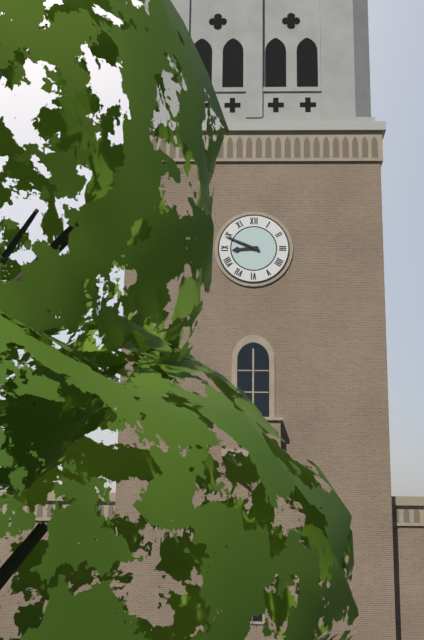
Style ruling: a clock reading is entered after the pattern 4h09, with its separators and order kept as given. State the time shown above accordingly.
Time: 8h49
